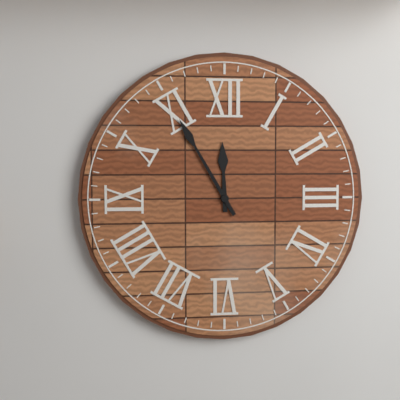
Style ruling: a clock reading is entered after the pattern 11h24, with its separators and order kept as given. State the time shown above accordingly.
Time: 11h55
